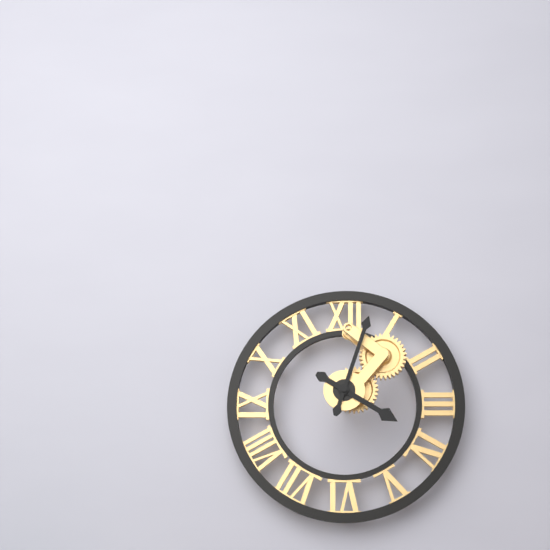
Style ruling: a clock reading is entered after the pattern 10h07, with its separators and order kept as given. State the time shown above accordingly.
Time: 4h03
